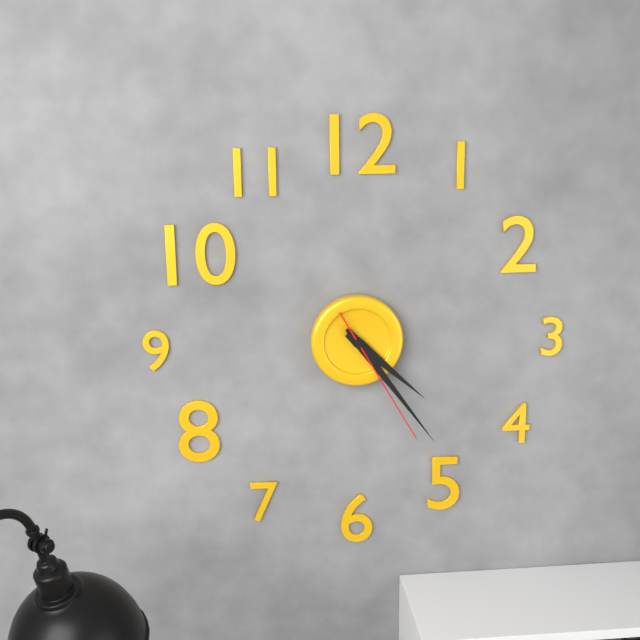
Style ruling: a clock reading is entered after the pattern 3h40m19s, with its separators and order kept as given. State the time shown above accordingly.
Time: 4h24m25s
